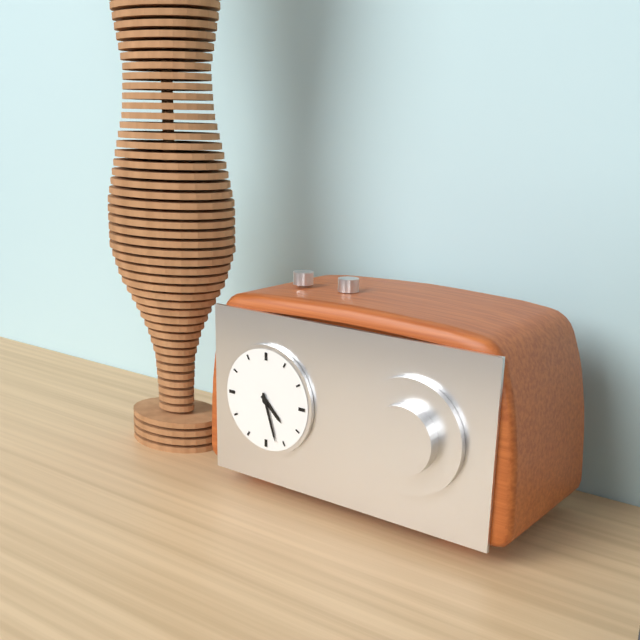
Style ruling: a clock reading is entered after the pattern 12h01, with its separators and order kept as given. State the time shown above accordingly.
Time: 4h27
